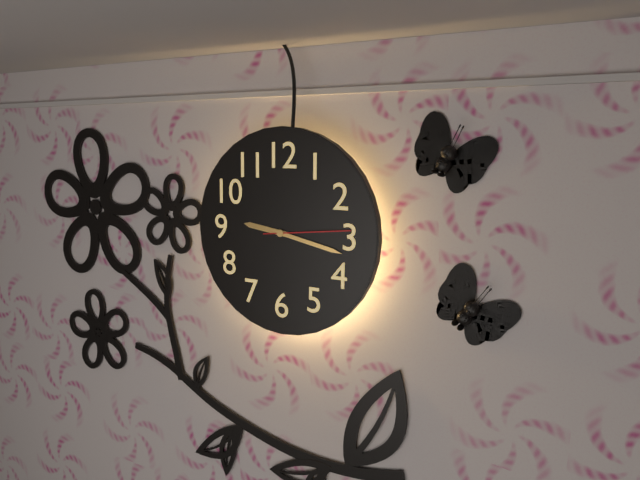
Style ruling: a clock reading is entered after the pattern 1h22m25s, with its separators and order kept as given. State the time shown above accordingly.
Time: 9h17m14s
